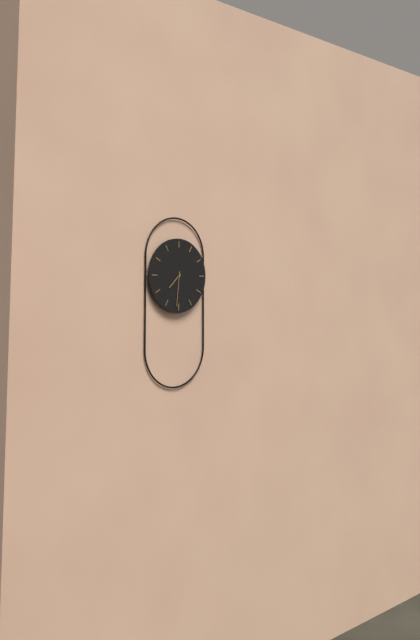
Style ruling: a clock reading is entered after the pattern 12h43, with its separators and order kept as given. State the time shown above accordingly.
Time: 7h31
